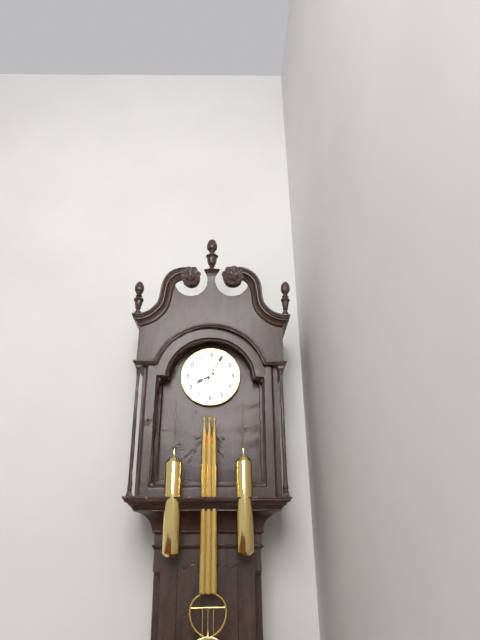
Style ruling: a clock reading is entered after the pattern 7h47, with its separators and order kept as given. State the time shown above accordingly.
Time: 8h05
